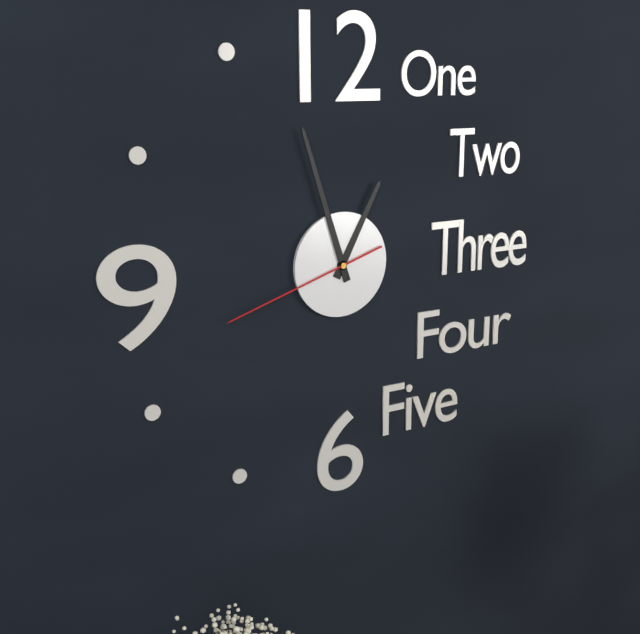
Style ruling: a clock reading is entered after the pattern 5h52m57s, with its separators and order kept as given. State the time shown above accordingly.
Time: 12h57m42s
